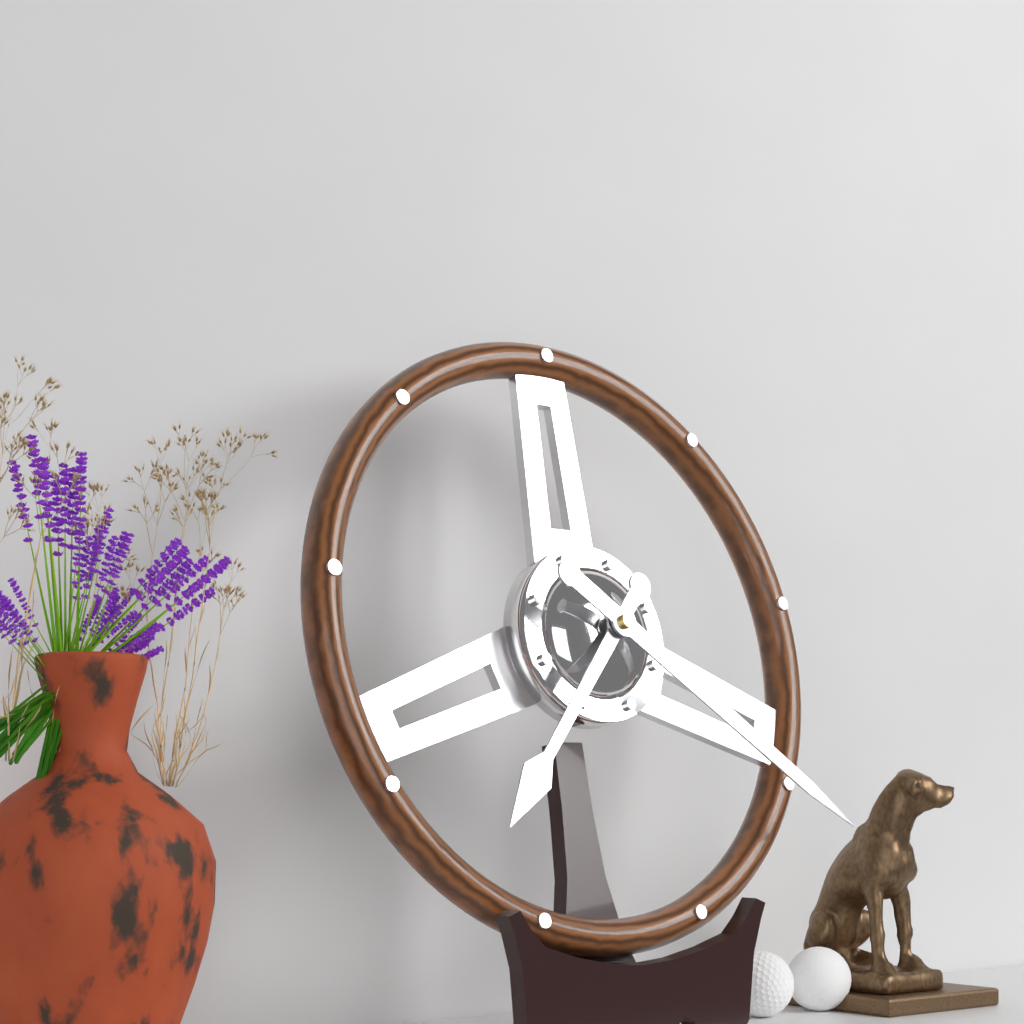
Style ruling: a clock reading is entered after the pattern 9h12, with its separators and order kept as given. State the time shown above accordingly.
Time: 7h21
